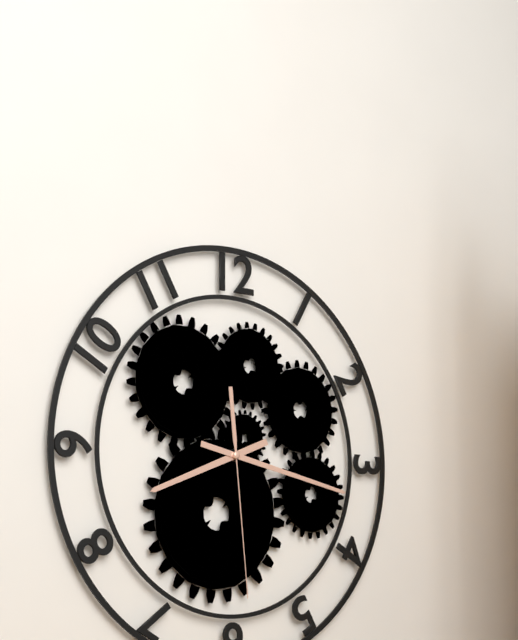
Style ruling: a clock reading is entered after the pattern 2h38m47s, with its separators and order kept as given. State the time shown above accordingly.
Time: 8h17m29s
